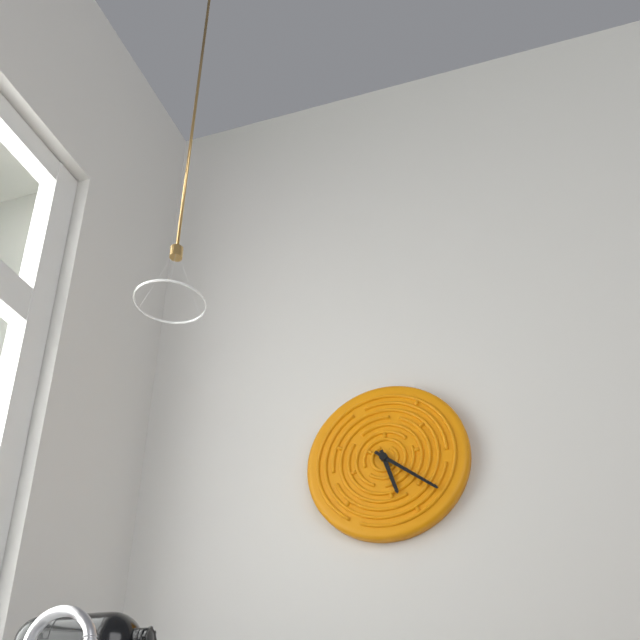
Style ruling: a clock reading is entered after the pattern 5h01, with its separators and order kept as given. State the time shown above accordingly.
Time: 5h21
